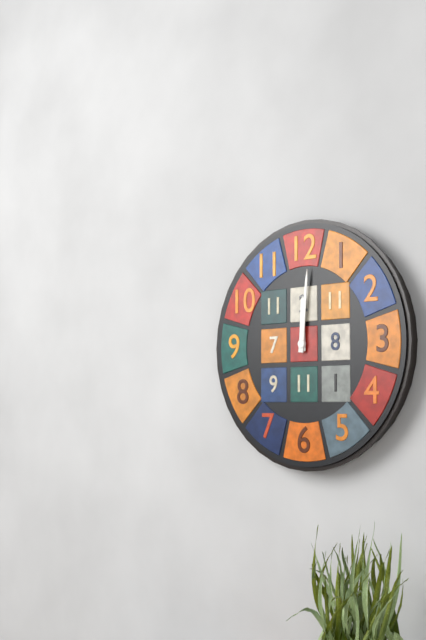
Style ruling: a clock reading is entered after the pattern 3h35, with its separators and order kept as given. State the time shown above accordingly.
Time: 12h01
